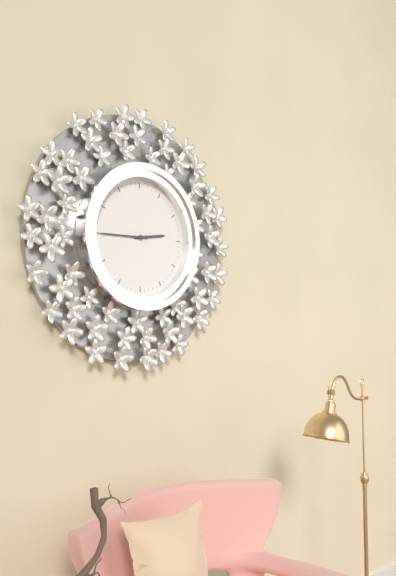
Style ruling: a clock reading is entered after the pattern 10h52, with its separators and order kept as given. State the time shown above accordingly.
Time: 2h45
